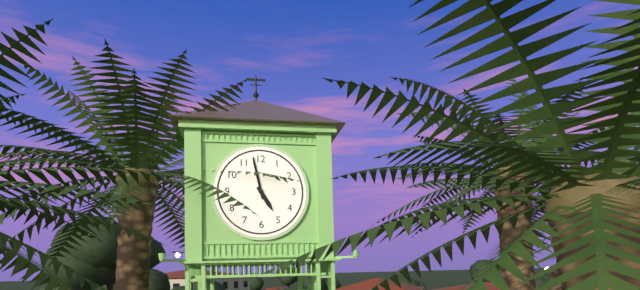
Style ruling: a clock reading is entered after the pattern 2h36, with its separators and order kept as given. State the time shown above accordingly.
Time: 4h58
